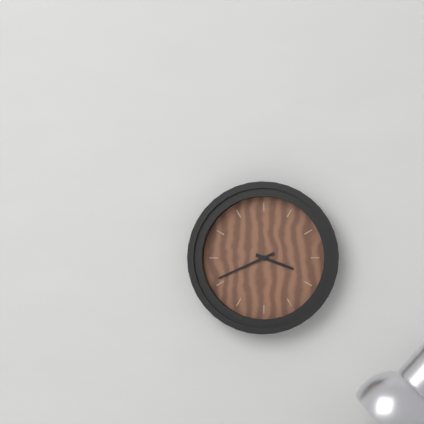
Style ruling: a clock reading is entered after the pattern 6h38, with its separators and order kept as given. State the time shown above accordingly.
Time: 3h41
